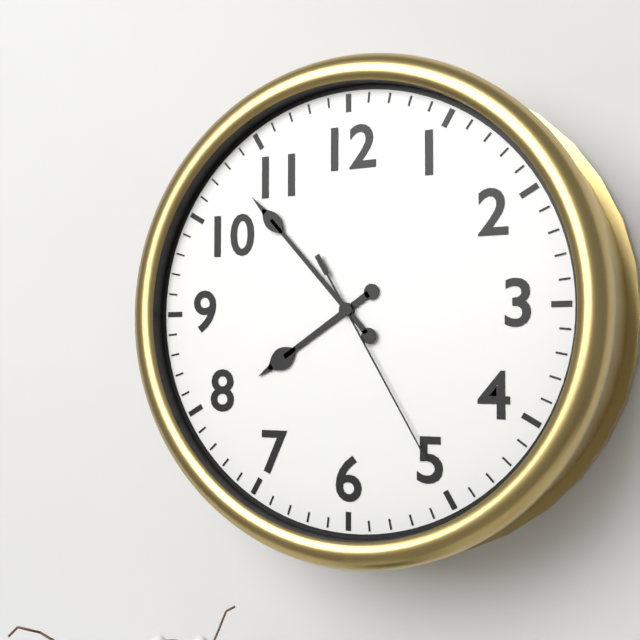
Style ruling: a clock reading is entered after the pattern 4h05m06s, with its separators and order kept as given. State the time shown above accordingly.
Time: 7h53m25s
